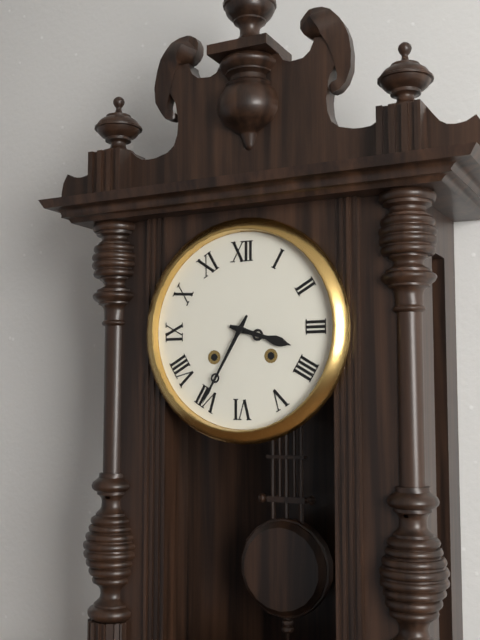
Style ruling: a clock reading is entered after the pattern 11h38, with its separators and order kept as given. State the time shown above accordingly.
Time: 3h35
